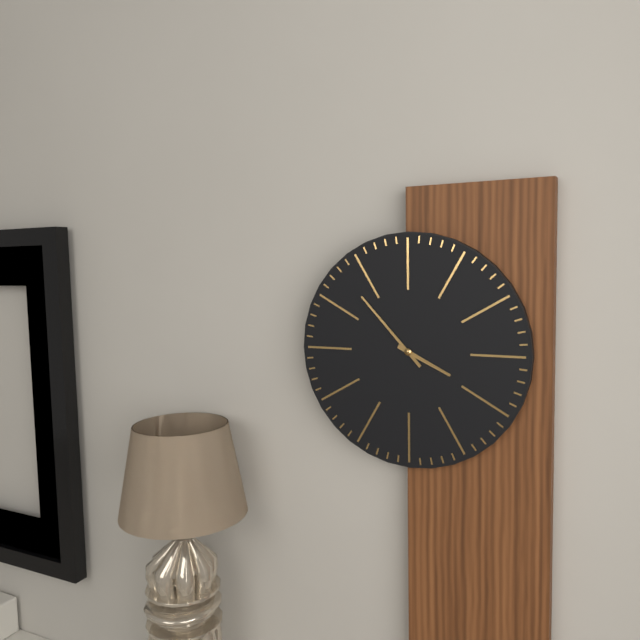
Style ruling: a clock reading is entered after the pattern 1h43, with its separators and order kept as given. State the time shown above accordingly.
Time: 3h53
